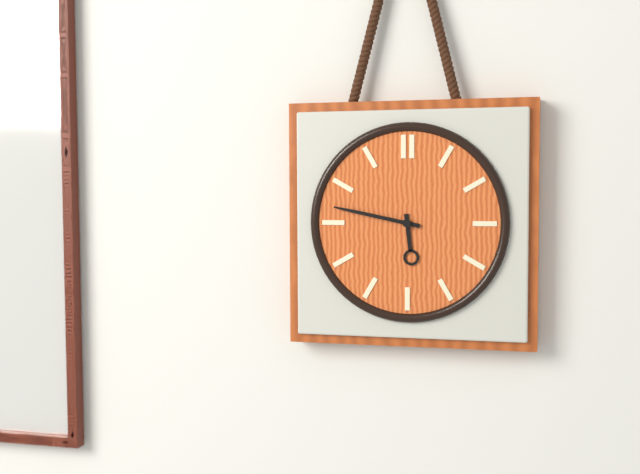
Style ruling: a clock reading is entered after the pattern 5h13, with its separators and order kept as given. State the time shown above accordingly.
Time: 5h47
